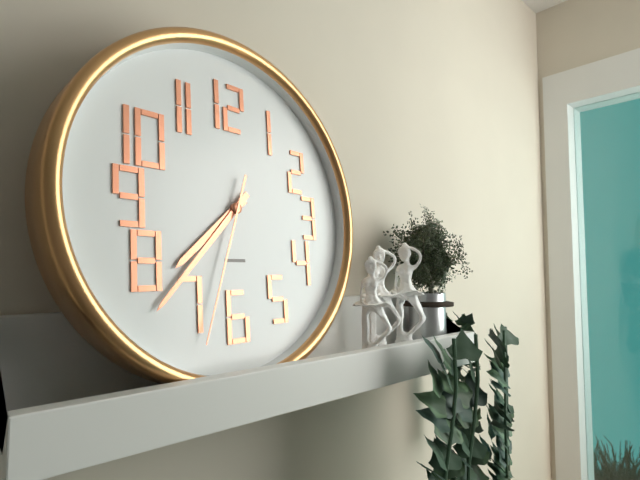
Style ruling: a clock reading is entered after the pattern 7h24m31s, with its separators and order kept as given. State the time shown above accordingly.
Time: 7h37m33s
